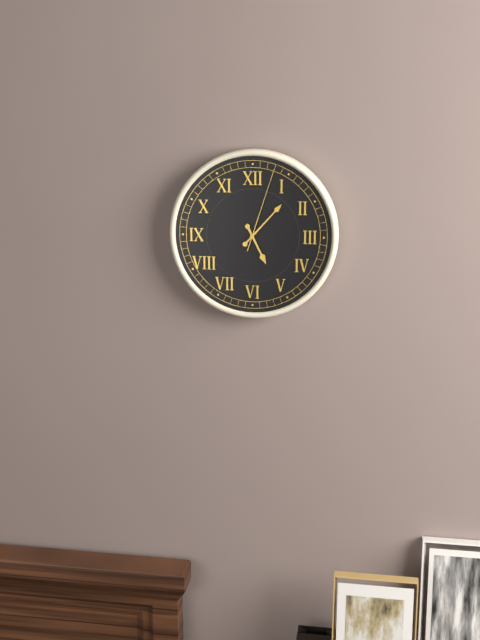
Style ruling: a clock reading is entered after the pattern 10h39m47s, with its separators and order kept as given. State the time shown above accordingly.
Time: 5h07m03s
